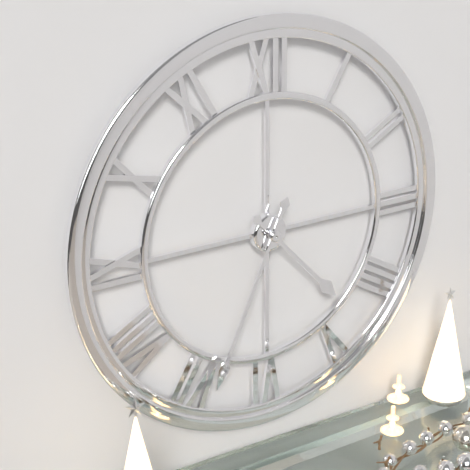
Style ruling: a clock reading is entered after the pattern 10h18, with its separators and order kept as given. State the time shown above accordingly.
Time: 4h34
